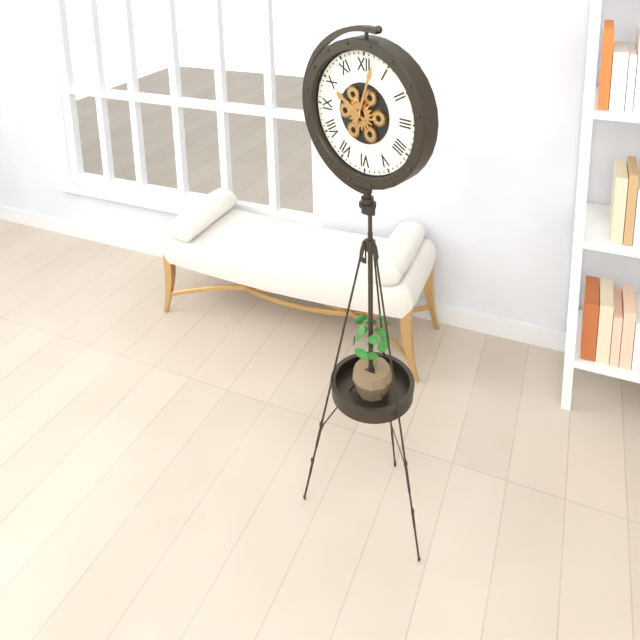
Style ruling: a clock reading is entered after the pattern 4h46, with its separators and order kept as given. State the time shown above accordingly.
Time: 10h03
